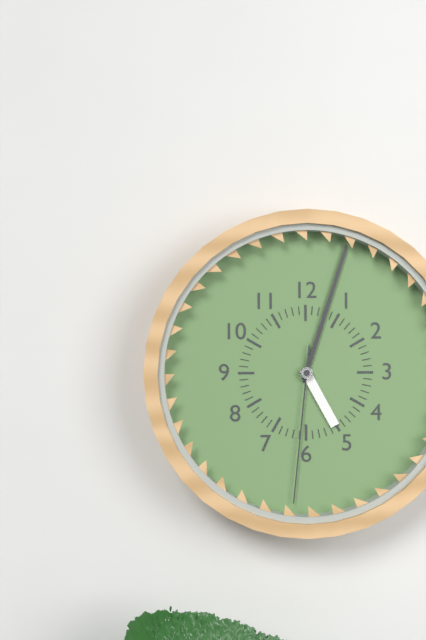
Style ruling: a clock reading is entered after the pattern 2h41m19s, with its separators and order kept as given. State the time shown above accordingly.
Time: 5h03m31s
